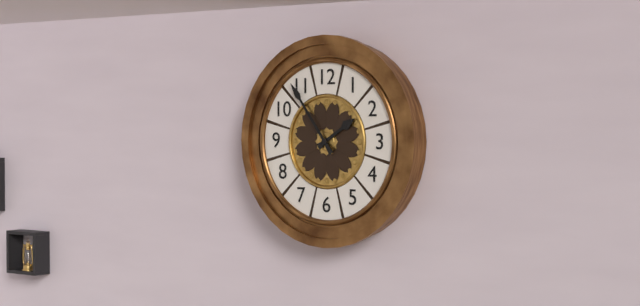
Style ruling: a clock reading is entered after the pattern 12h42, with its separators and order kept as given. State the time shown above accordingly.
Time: 1h54
